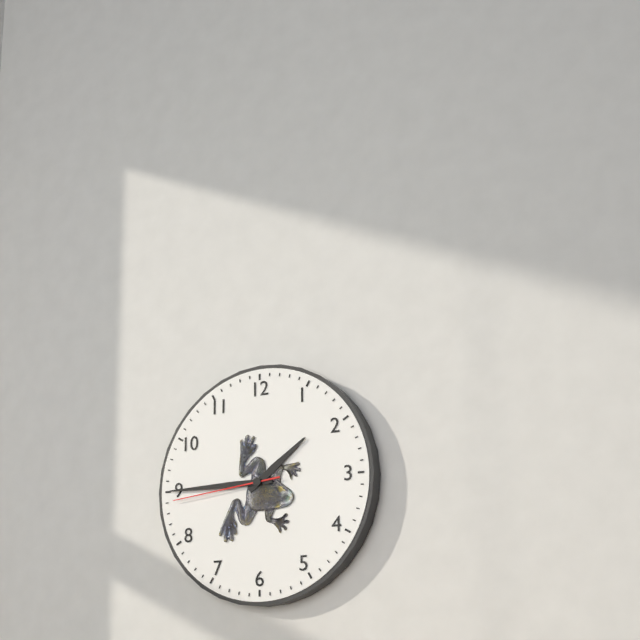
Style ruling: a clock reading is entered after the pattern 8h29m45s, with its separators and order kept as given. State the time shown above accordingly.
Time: 1h45m44s
